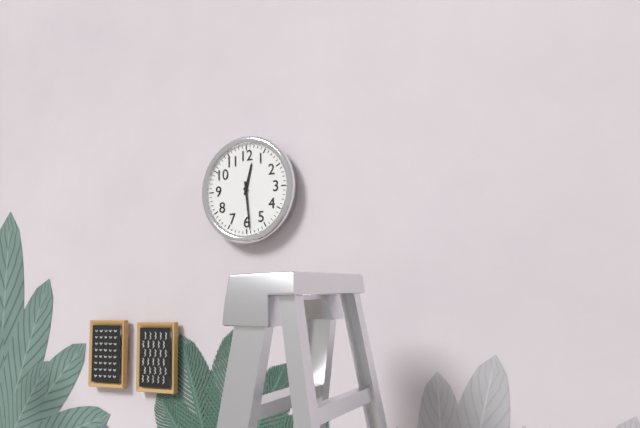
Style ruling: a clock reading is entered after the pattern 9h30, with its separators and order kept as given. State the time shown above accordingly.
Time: 12h29
